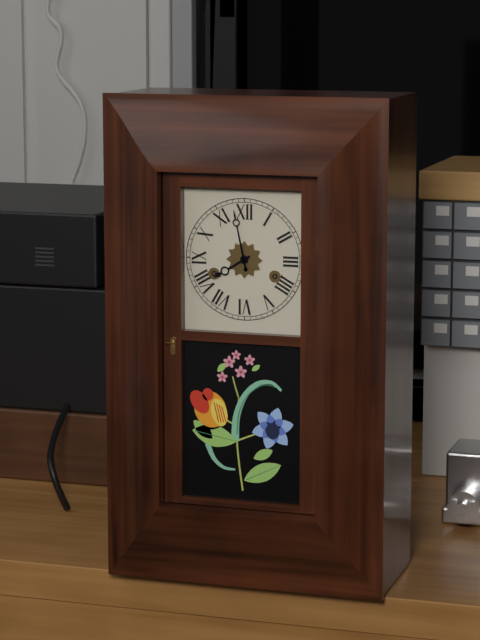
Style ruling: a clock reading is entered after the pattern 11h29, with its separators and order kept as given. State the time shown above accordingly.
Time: 7h58
